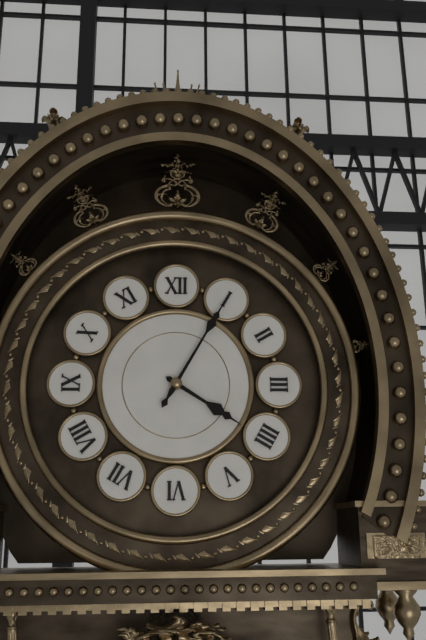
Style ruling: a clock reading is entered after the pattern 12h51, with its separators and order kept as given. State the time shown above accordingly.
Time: 4h05
